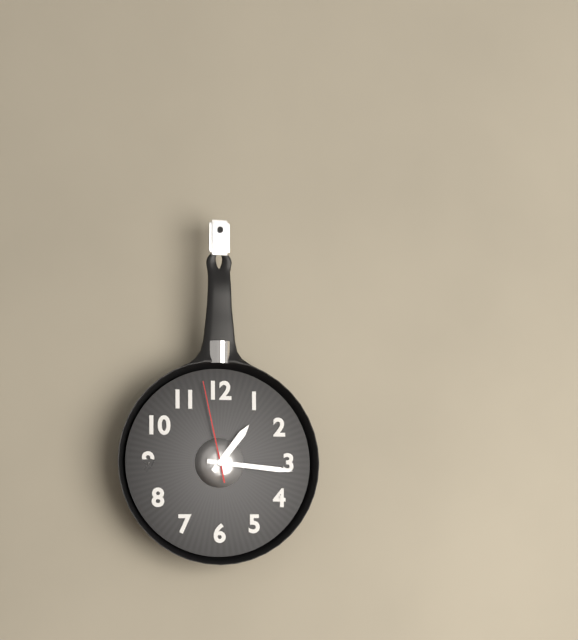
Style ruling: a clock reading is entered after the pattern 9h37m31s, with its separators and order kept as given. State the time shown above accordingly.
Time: 1h16m58s
